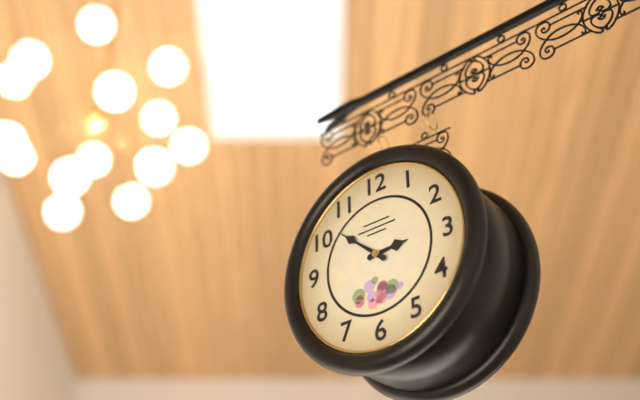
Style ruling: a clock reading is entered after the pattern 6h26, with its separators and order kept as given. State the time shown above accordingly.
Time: 2h52
